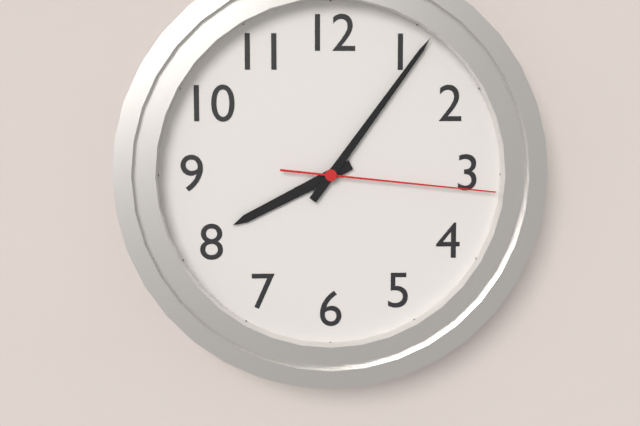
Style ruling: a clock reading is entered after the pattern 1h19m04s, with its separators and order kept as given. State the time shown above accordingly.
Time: 8h06m16s
